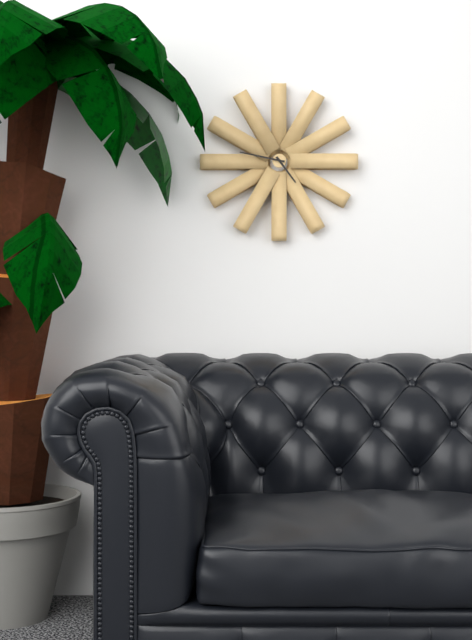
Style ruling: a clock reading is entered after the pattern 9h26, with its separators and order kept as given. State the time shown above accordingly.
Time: 4h47
